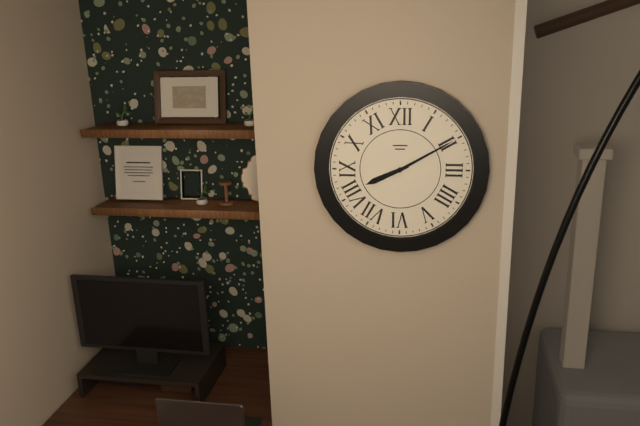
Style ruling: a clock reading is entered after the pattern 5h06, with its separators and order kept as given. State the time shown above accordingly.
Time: 8h10
